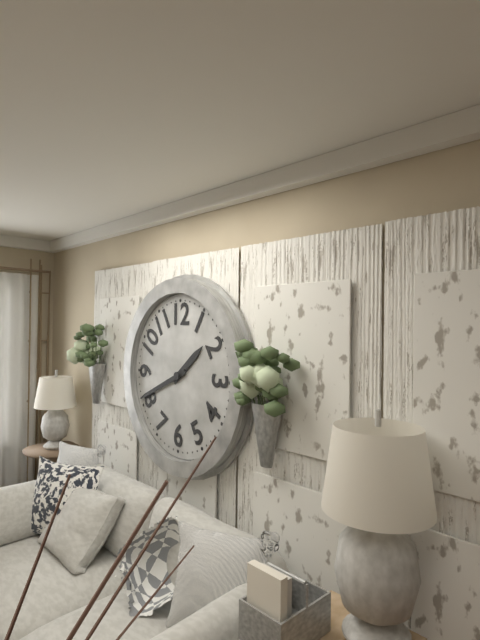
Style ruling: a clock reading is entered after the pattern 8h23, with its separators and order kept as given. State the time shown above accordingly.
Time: 1h41
